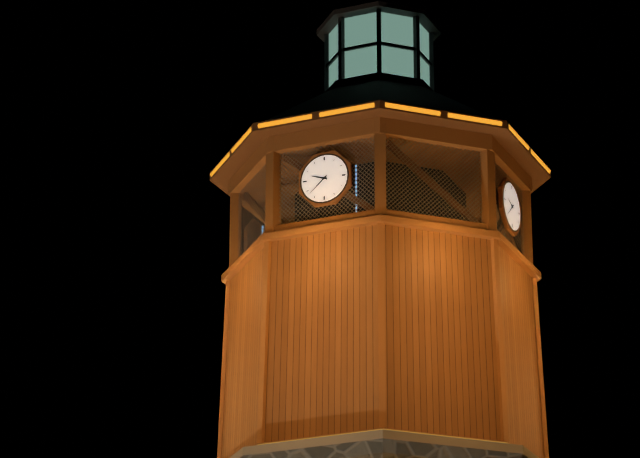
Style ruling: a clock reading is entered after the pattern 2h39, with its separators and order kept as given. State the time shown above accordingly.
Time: 9h38
